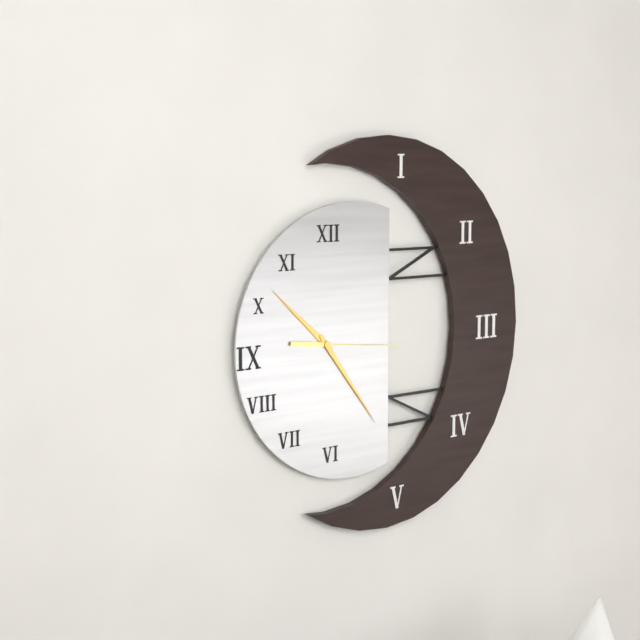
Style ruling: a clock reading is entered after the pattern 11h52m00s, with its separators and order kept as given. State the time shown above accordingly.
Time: 10h24m16s
